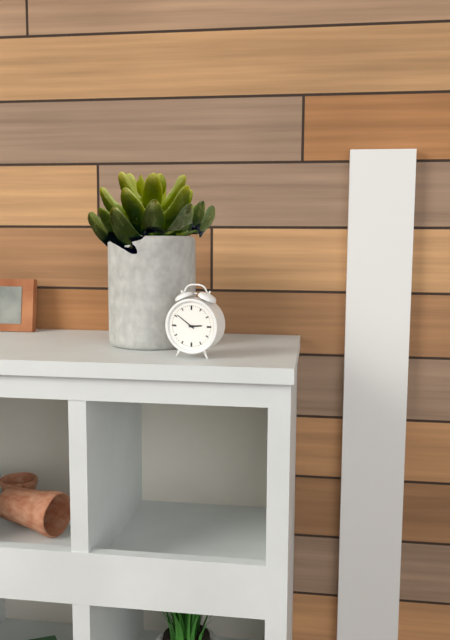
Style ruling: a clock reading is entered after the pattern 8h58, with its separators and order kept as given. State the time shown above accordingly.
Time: 2h51
